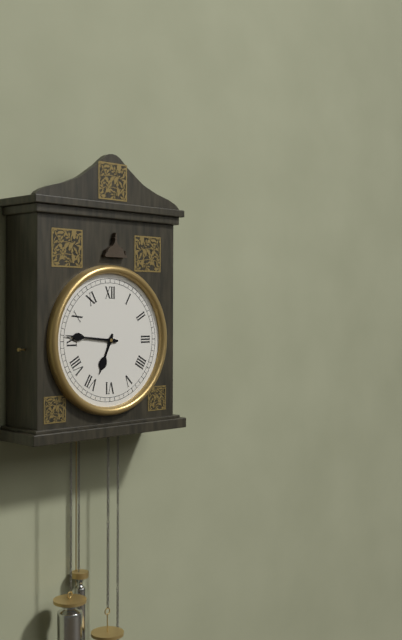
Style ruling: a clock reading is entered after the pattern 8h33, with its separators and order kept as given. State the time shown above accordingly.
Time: 6h46
